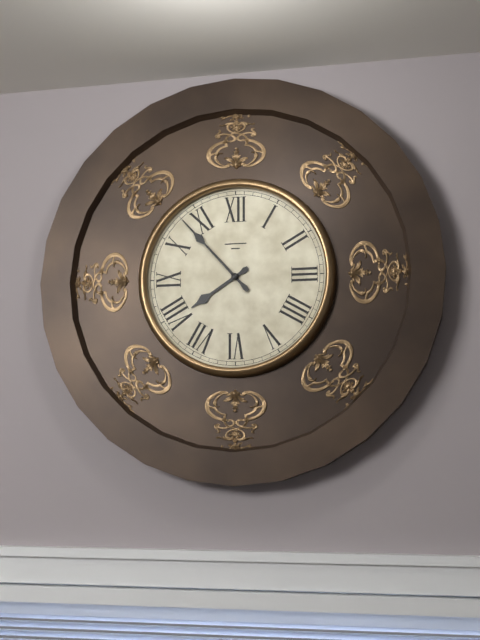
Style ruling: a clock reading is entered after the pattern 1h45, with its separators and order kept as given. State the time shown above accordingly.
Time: 7h53
